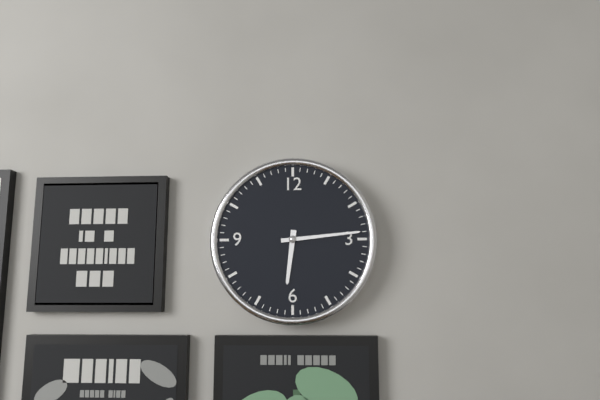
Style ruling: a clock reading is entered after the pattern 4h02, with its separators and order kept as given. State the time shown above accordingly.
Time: 6h14
